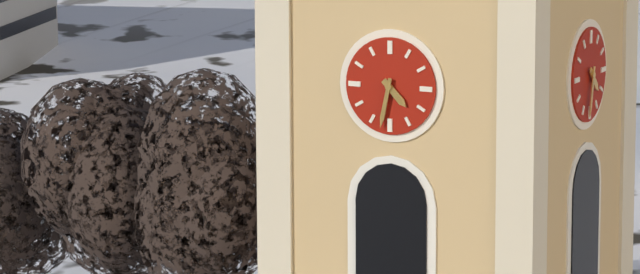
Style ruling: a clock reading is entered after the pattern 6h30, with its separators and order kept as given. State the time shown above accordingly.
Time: 4h32
